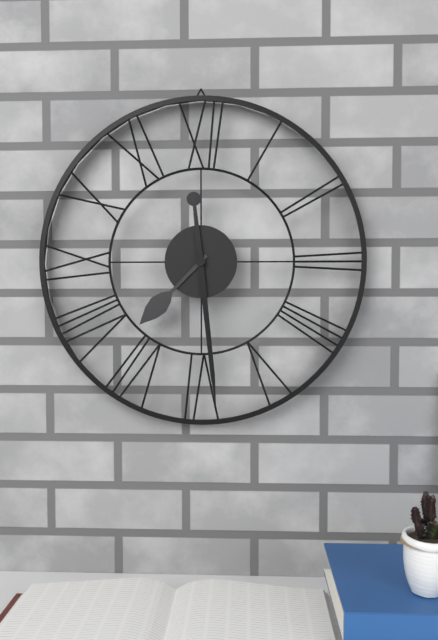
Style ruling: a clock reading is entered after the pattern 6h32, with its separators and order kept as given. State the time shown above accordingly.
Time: 7h29
